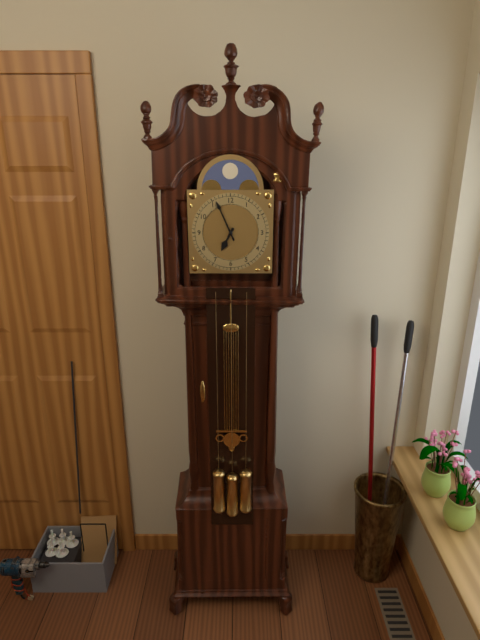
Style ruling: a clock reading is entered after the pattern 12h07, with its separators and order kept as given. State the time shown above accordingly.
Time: 6h56
